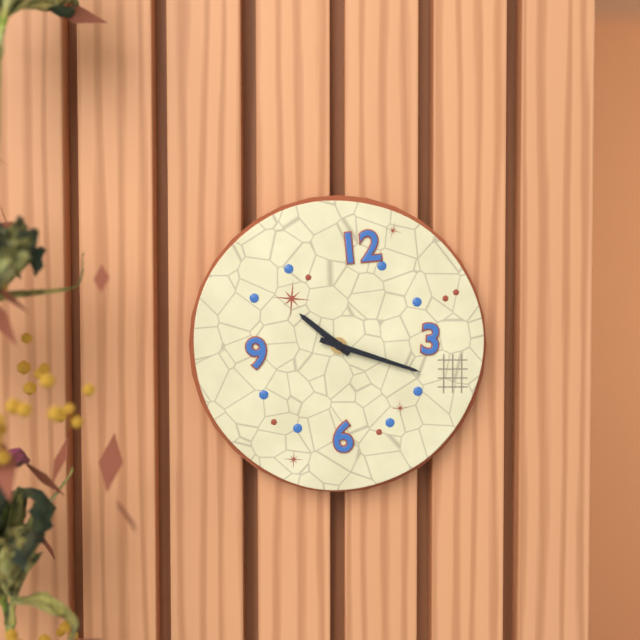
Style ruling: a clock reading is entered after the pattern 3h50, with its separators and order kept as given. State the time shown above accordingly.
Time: 10h18
